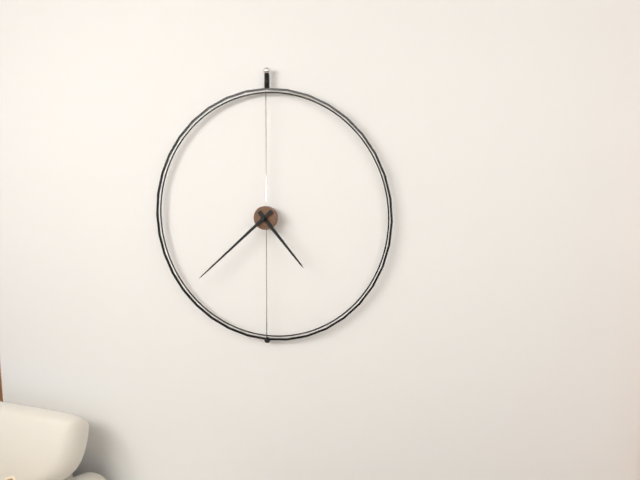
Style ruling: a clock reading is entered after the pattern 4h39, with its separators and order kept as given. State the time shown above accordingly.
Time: 4h38
